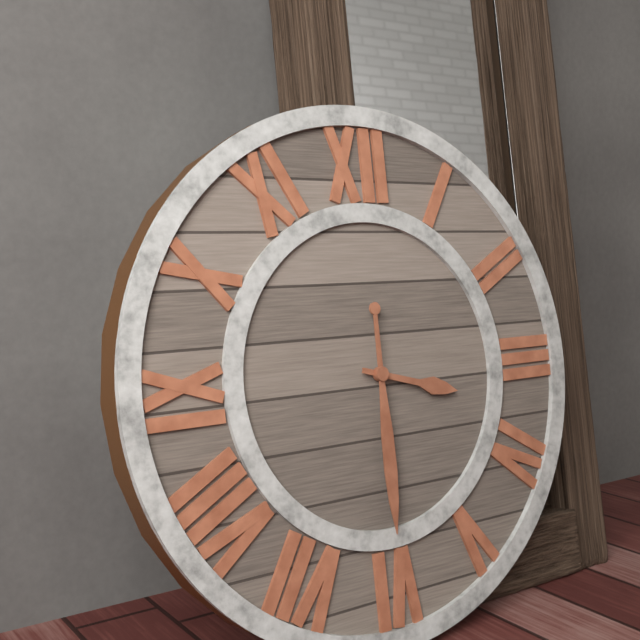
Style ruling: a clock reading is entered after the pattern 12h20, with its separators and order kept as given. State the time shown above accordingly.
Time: 3h30
